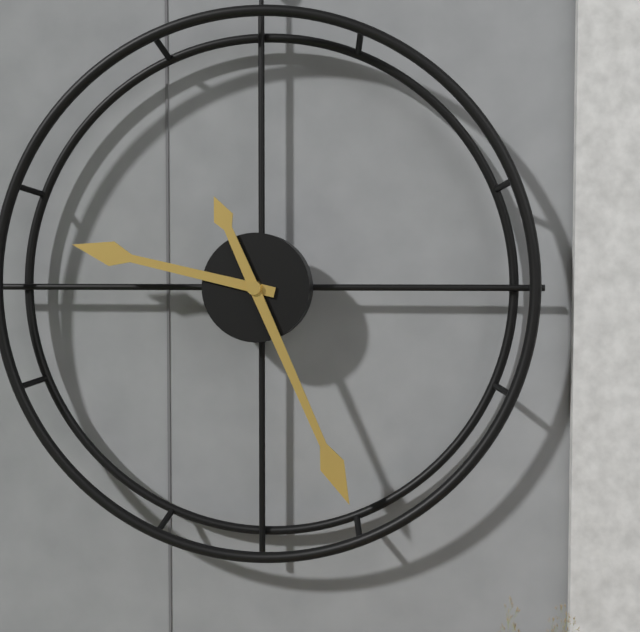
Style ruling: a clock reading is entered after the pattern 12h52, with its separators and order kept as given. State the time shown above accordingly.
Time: 9h26
